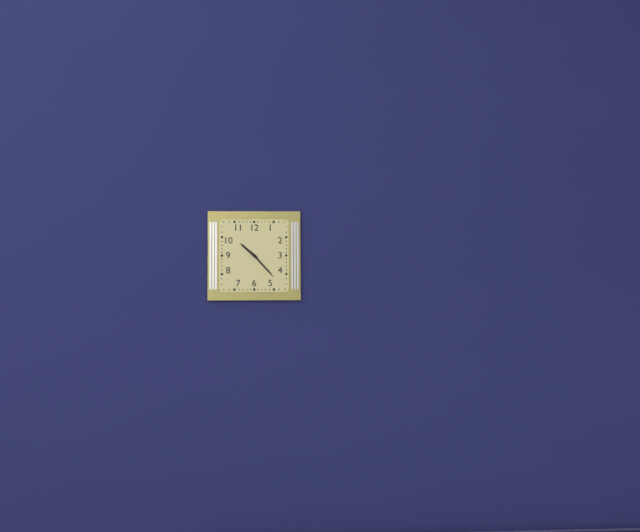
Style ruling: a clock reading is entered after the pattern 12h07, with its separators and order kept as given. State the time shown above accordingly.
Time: 10h23
